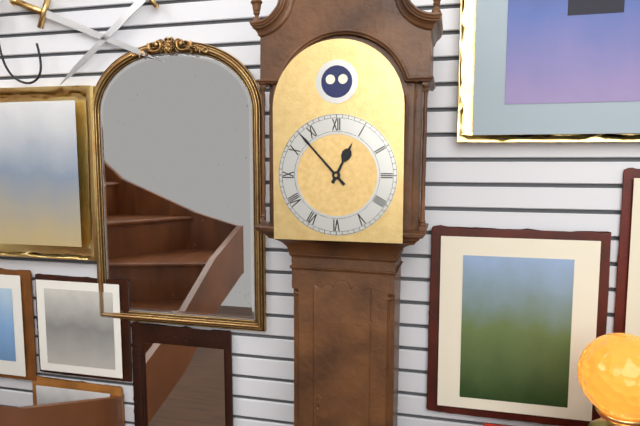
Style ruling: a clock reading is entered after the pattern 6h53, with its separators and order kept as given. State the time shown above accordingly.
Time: 12h53
